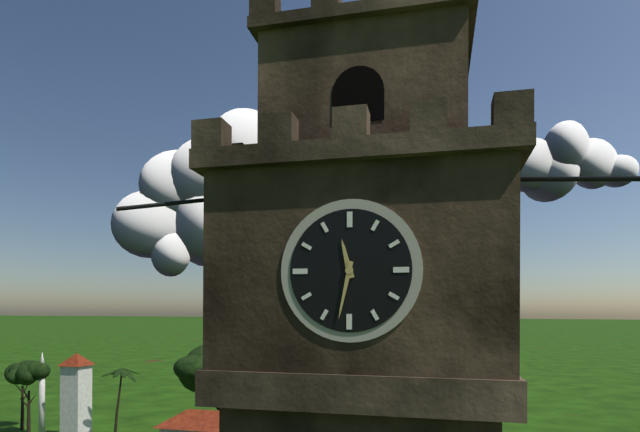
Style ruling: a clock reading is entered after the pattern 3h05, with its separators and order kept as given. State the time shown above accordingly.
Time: 11h32
